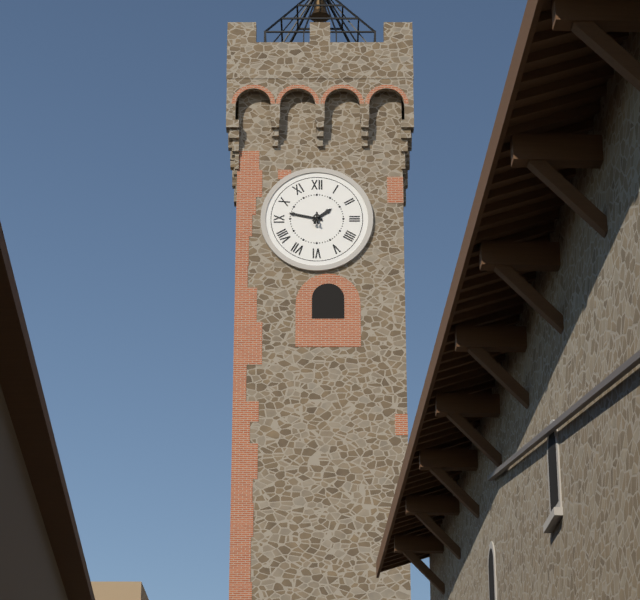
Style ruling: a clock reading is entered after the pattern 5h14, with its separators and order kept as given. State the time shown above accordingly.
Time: 1h47
